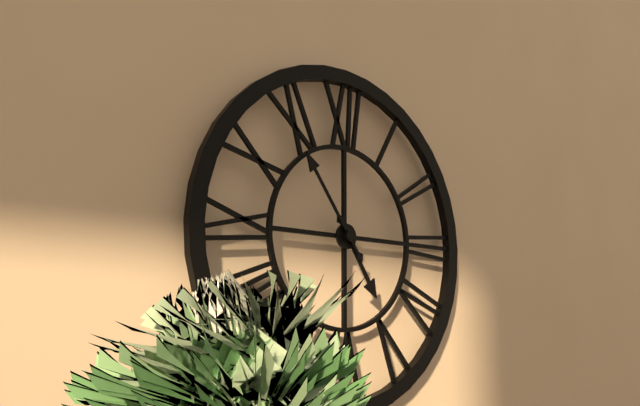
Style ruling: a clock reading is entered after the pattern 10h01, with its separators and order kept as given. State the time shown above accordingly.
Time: 4h54
